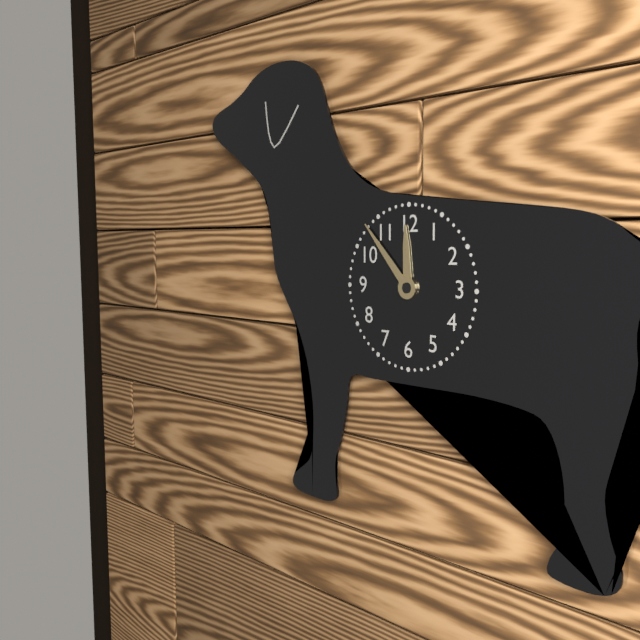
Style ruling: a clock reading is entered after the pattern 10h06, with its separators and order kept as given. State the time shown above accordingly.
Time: 11h53
